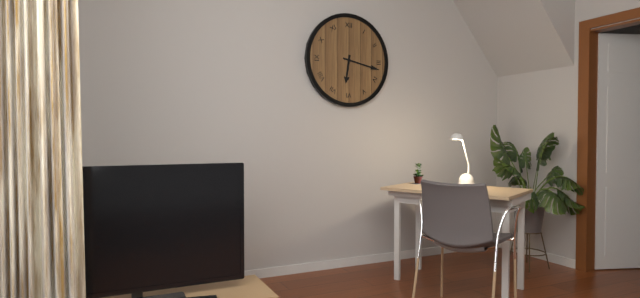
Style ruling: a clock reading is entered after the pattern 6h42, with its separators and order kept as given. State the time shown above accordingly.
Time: 6h17
